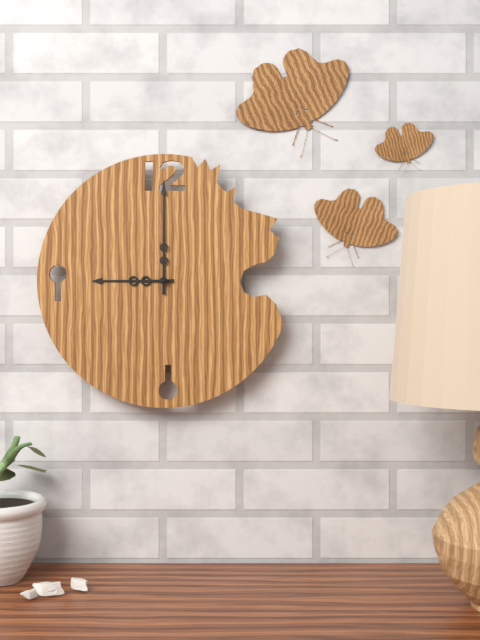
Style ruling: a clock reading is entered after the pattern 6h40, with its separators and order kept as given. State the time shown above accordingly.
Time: 9h00
